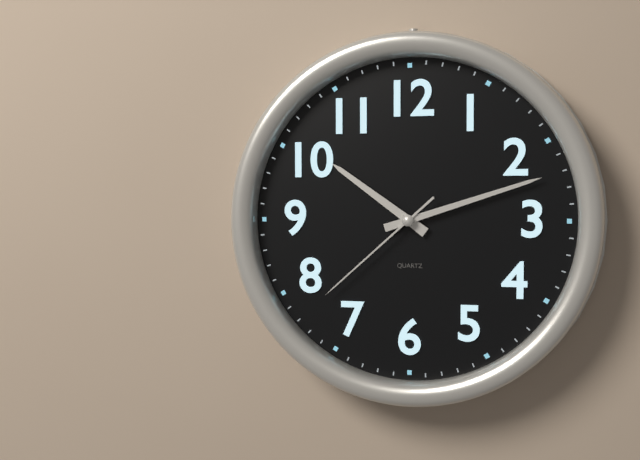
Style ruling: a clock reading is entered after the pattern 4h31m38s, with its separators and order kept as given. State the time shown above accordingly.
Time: 10h12m38s
